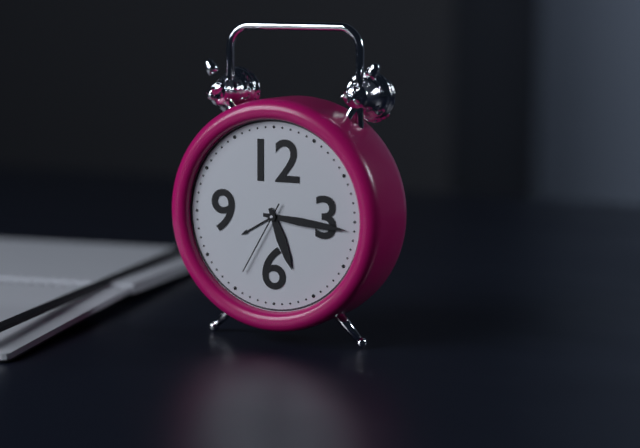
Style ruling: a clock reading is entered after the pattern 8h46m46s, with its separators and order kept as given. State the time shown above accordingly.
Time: 5h16m35s
